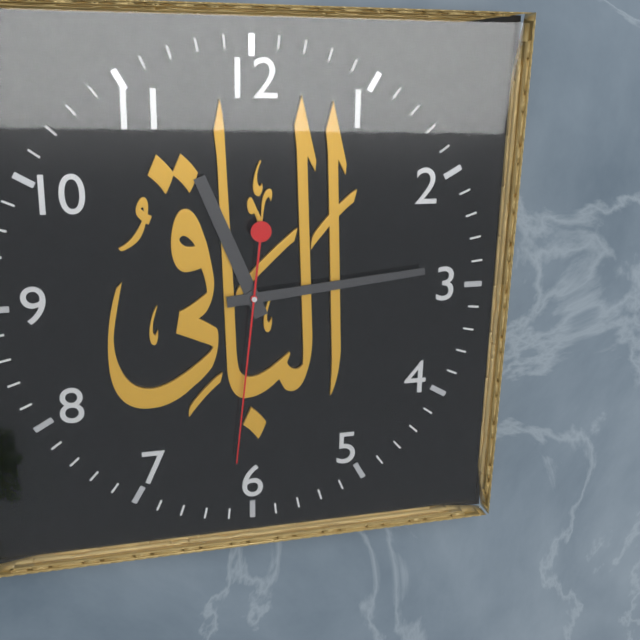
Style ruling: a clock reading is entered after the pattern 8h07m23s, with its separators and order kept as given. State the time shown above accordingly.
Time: 11h14m31s
